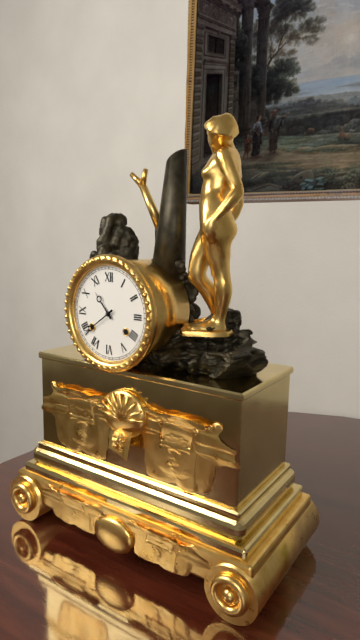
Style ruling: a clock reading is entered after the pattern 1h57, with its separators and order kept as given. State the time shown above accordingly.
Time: 10h39
